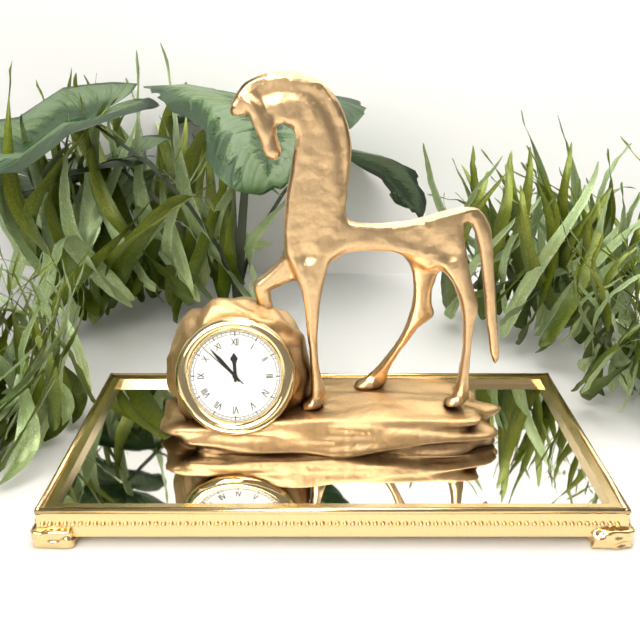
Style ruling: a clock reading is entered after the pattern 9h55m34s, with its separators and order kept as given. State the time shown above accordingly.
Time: 11h53m52s
